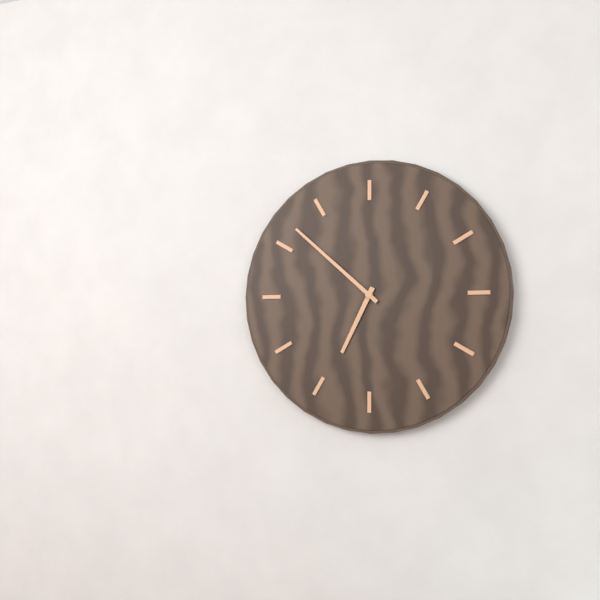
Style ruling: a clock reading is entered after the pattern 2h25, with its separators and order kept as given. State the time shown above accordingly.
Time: 6h52
